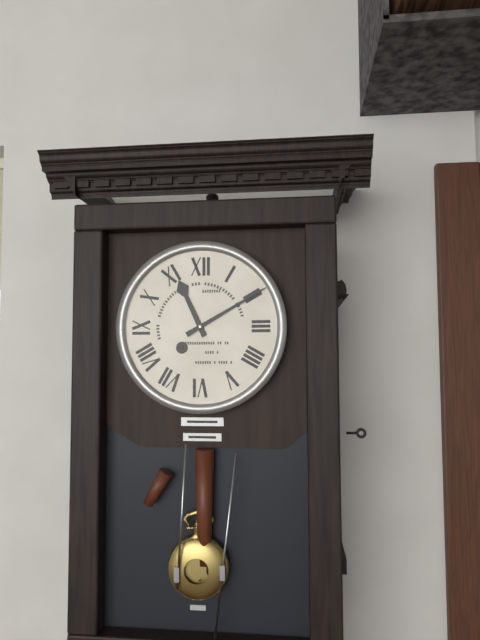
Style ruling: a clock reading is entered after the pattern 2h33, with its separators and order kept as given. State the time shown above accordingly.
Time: 11h10
